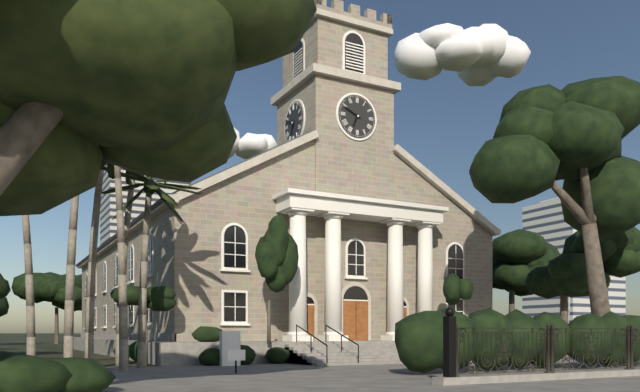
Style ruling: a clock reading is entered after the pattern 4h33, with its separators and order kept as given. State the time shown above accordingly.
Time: 6h49
